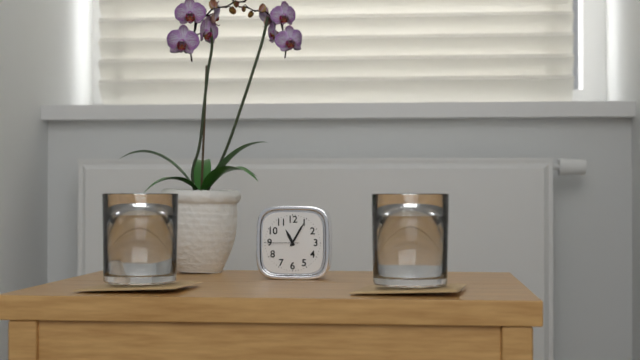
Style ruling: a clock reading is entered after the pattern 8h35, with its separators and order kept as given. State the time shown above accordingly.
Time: 11h05
